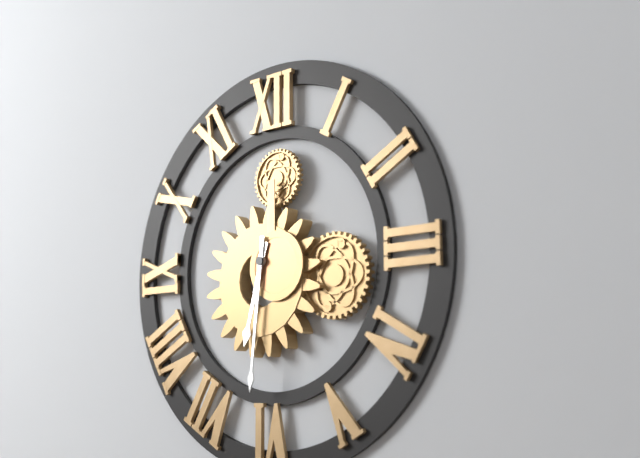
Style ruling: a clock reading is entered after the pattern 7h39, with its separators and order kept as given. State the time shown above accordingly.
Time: 6h31
